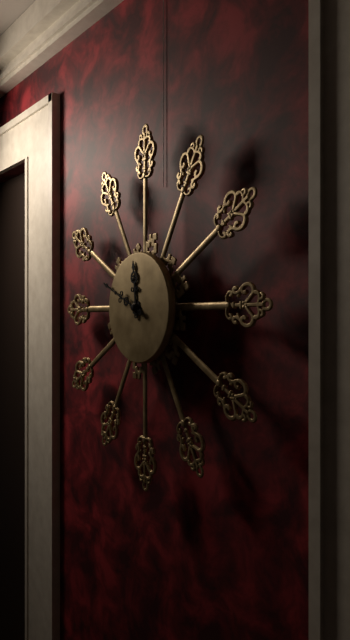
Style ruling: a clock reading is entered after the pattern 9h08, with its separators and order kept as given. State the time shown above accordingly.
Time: 11h49
